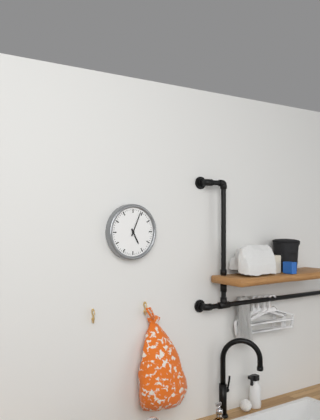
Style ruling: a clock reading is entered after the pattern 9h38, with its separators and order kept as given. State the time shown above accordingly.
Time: 5h04
